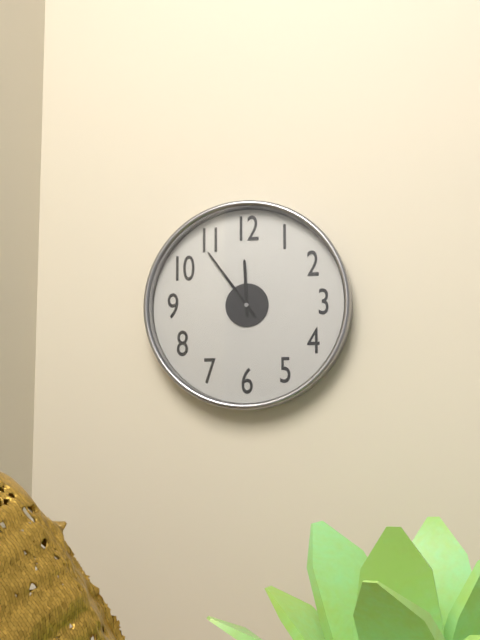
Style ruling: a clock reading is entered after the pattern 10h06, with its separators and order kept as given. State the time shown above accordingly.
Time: 11h54
